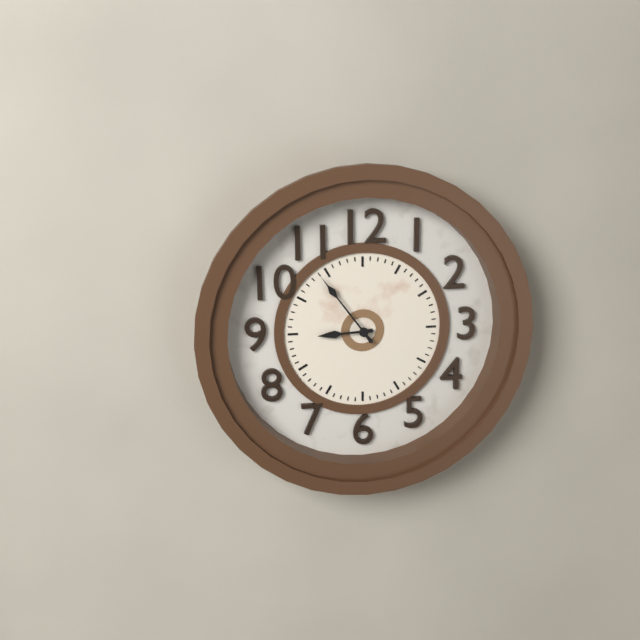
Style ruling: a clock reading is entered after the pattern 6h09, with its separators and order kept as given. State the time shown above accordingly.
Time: 8h54
